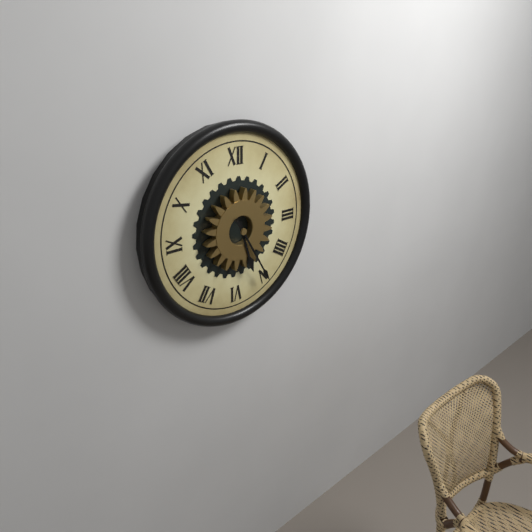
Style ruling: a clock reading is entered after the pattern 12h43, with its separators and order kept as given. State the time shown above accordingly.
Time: 5h25
